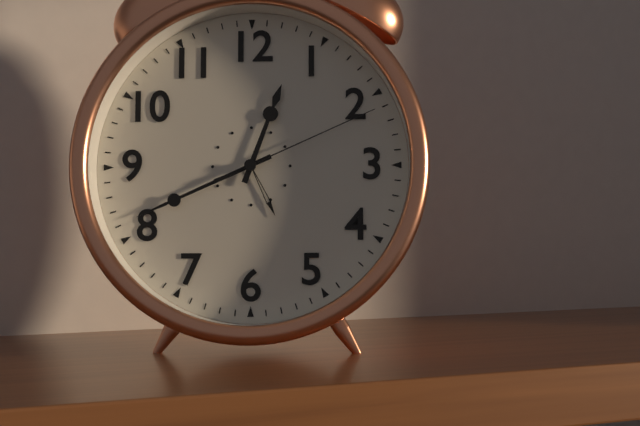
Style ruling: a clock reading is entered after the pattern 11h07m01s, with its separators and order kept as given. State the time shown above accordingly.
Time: 12h41m11s
